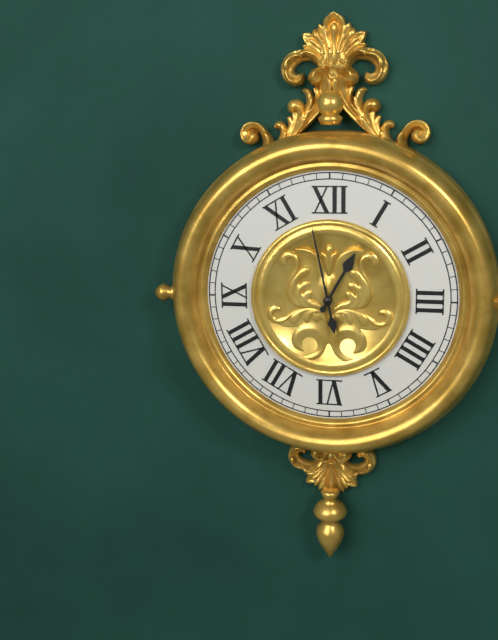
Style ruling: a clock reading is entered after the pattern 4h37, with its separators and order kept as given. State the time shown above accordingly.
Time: 12h58
